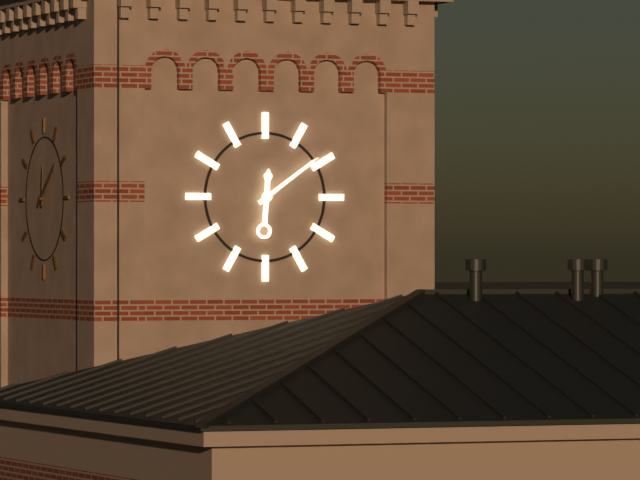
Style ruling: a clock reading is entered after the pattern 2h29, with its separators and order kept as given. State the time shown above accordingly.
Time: 12h09
